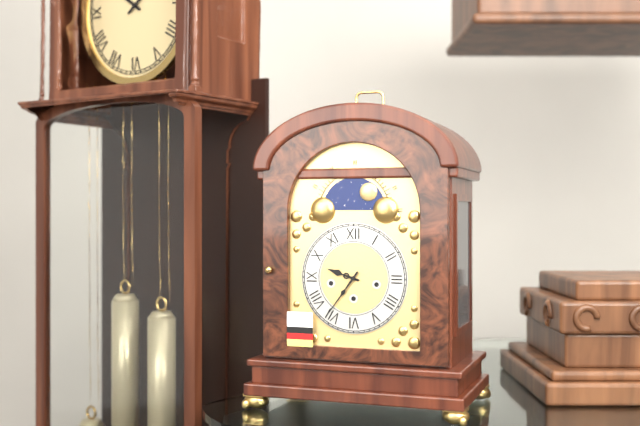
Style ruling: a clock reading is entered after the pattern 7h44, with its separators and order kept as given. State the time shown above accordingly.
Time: 9h36
